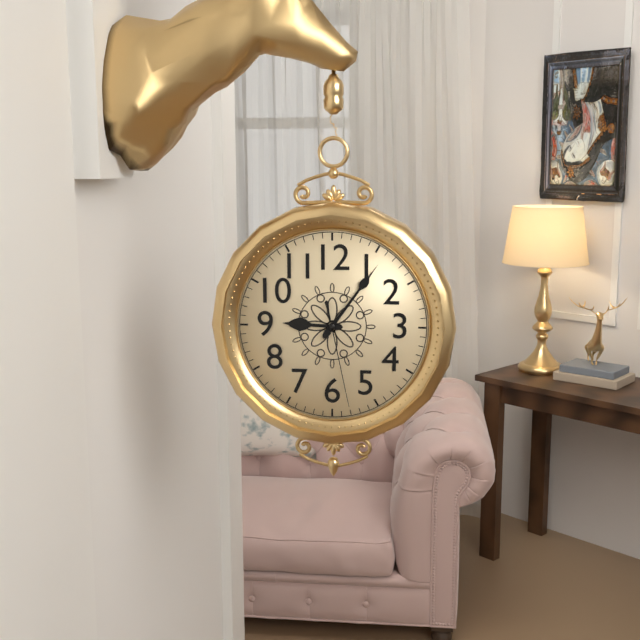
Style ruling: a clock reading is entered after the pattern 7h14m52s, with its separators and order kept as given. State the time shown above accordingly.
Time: 9h06m28s
